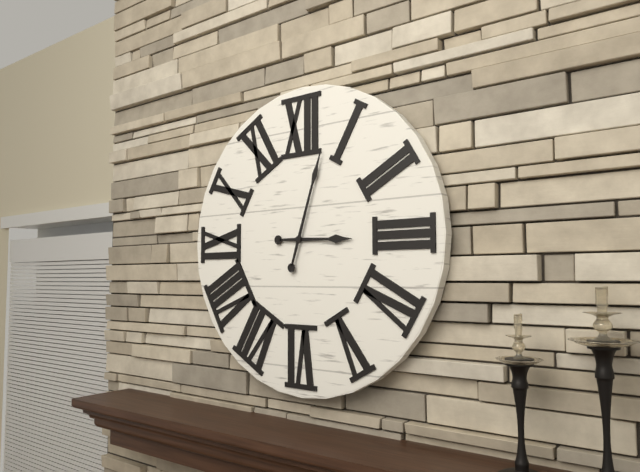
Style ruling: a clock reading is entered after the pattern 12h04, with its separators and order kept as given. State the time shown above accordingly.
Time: 3h03
